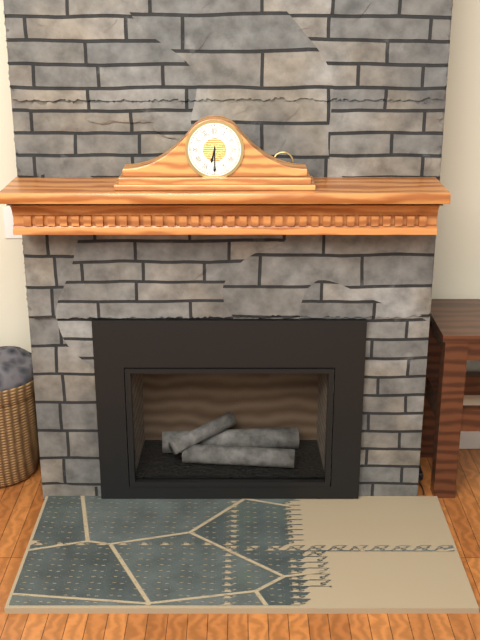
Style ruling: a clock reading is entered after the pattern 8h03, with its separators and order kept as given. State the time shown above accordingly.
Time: 6h30
